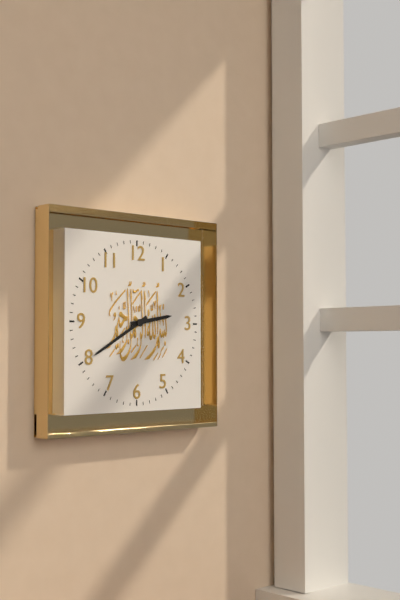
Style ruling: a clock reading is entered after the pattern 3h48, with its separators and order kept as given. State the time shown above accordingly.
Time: 2h40
